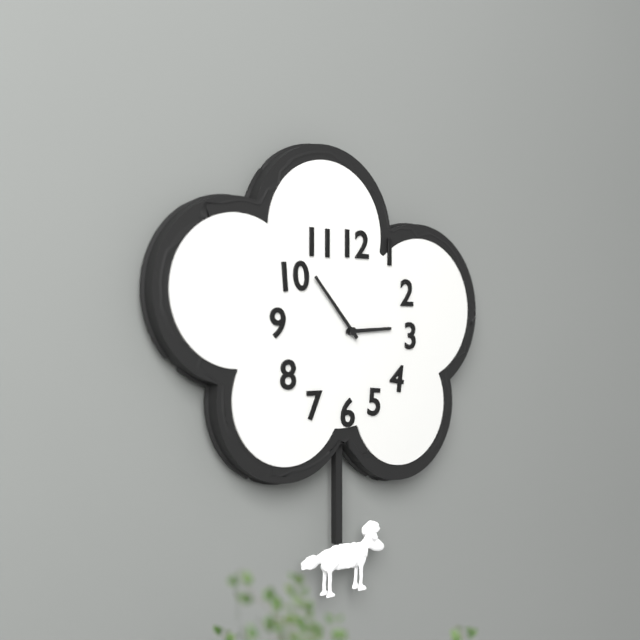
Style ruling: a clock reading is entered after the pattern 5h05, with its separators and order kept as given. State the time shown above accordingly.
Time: 2h53
